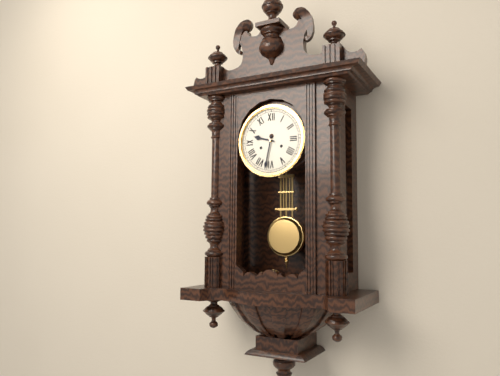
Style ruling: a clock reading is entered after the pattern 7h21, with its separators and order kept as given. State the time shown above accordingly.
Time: 9h32
